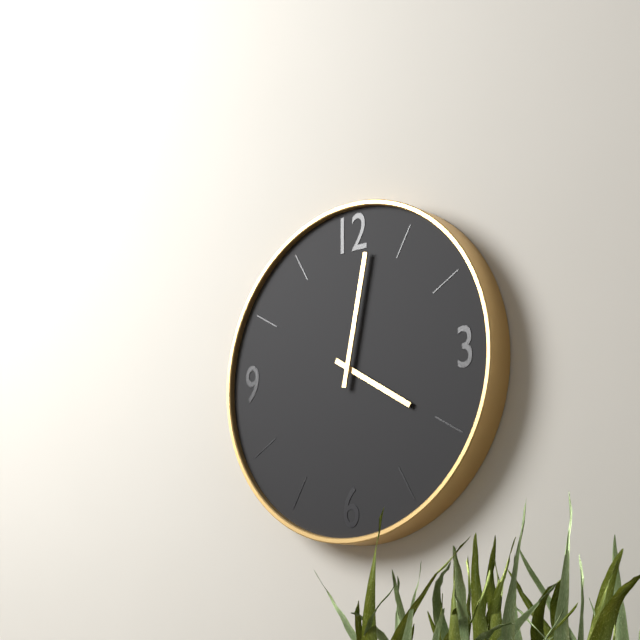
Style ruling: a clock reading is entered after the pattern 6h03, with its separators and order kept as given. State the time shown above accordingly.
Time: 4h02
